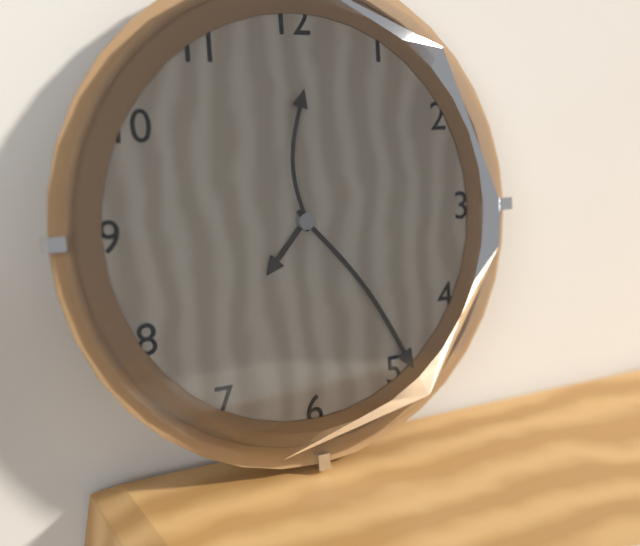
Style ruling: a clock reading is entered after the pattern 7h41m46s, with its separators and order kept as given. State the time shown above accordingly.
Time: 7h24m00s
